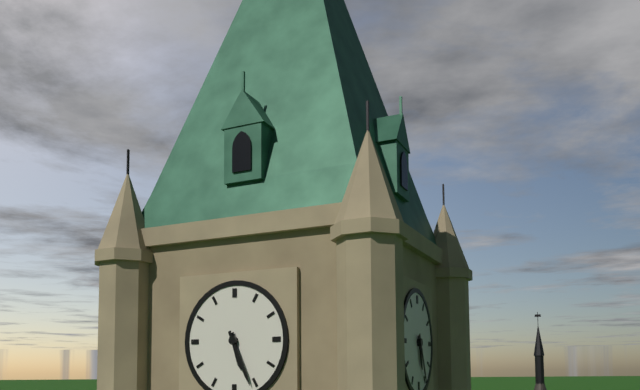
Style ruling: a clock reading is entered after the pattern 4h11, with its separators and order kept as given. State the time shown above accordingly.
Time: 5h26
